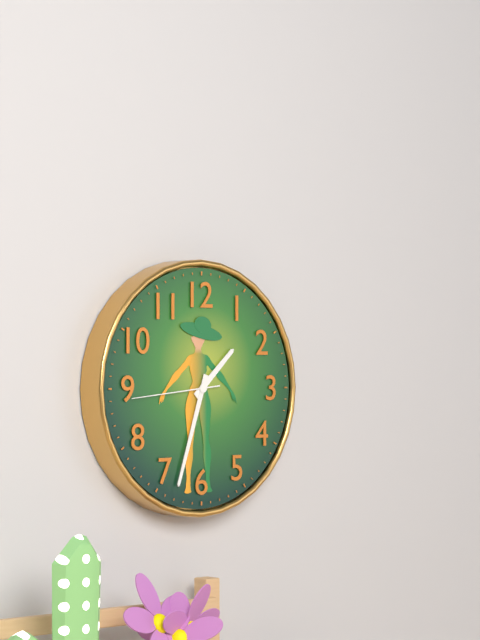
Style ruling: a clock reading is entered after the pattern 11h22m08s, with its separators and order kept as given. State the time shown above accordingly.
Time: 1h33m44s
